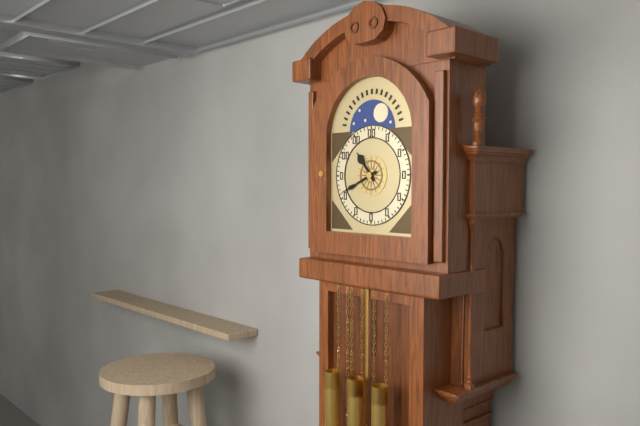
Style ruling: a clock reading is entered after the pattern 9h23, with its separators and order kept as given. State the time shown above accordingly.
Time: 10h41
